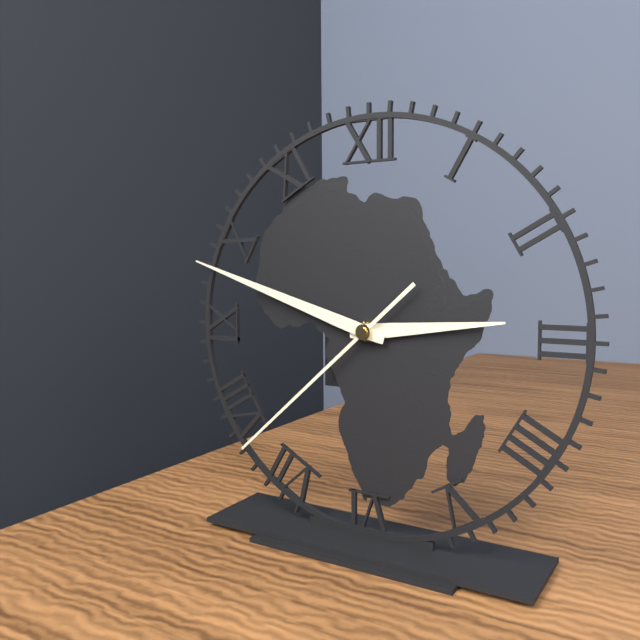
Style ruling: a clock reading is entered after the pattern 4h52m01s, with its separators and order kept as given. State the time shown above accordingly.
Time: 2h48m38s
